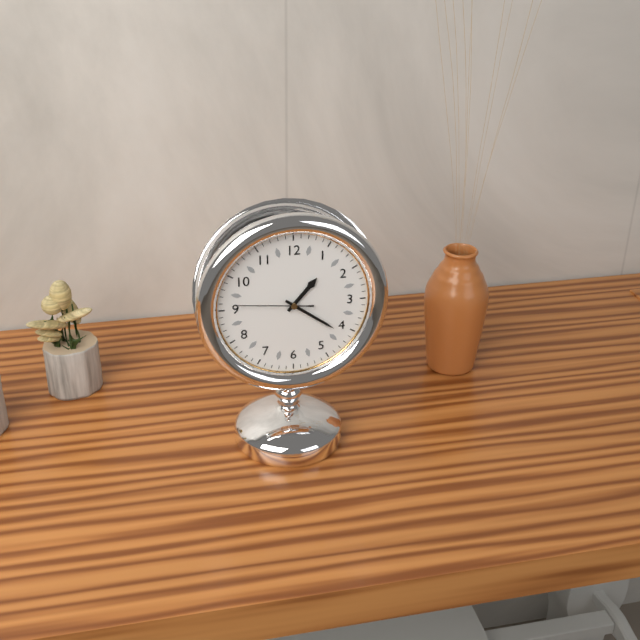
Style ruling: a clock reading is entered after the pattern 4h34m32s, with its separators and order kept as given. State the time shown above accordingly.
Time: 1h21m46s
